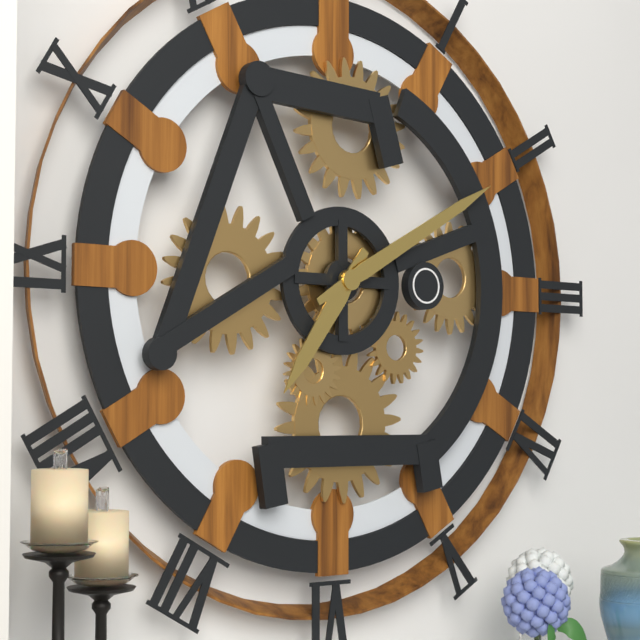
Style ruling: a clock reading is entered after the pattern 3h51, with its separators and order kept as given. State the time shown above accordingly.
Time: 7h10
